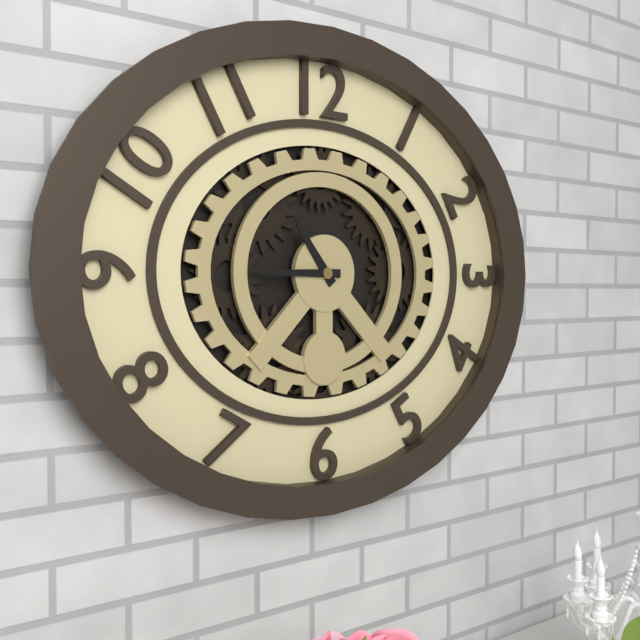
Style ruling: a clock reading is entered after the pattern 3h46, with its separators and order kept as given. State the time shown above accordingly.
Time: 10h45
